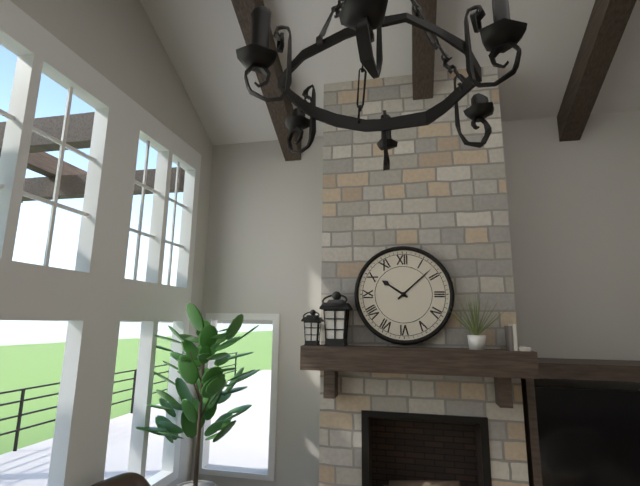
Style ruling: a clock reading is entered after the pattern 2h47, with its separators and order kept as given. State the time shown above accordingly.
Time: 10h08
